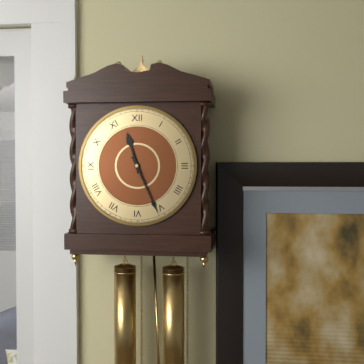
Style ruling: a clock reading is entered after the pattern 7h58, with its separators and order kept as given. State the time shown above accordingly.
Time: 11h26
